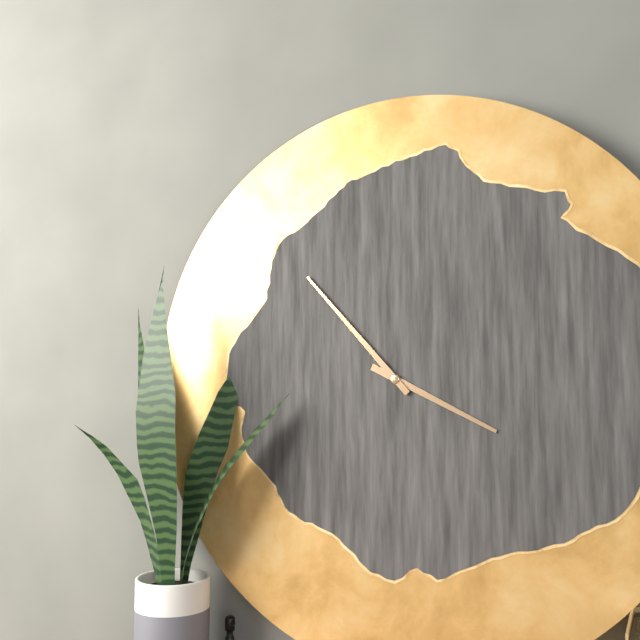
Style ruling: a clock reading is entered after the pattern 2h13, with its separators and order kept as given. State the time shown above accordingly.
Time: 3h53
